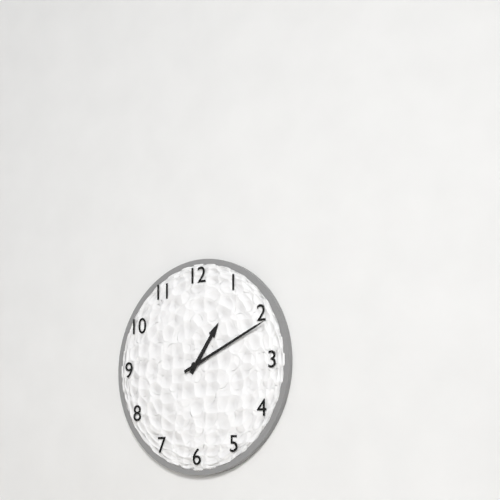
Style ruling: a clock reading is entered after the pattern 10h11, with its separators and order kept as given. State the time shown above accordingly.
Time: 1h11
